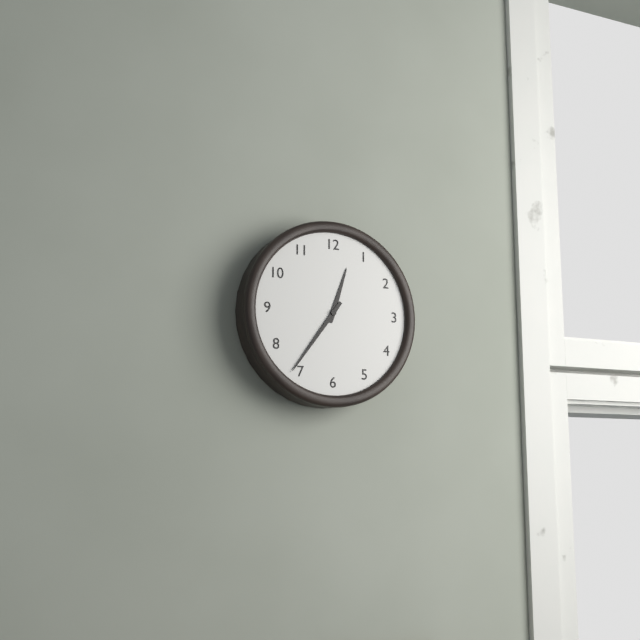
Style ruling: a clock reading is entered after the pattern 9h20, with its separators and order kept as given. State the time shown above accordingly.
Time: 12h36
